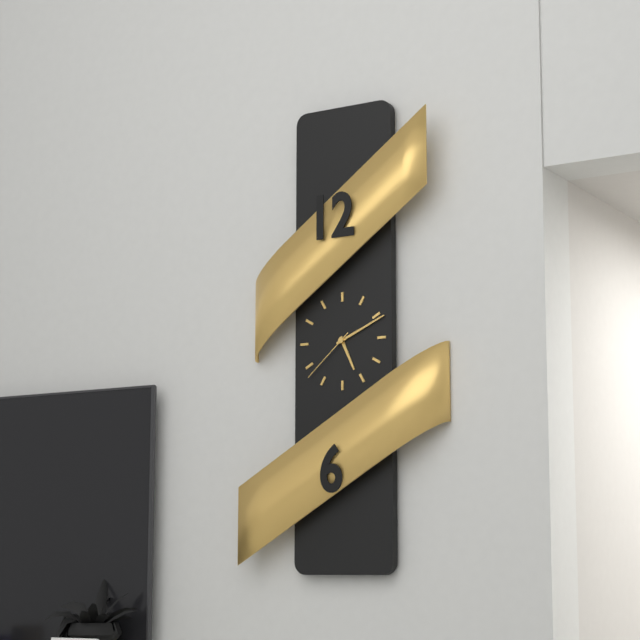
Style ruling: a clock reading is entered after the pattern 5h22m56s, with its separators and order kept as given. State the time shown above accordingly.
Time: 5h11m38s
